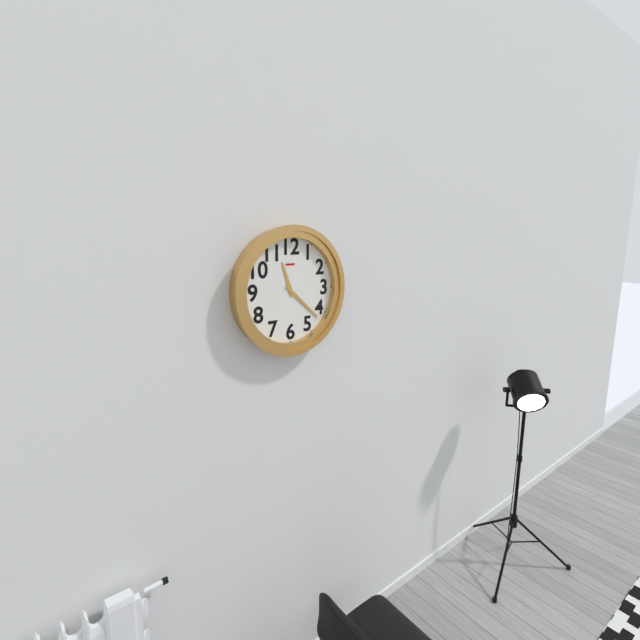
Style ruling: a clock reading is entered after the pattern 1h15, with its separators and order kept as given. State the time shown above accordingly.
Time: 11h22
